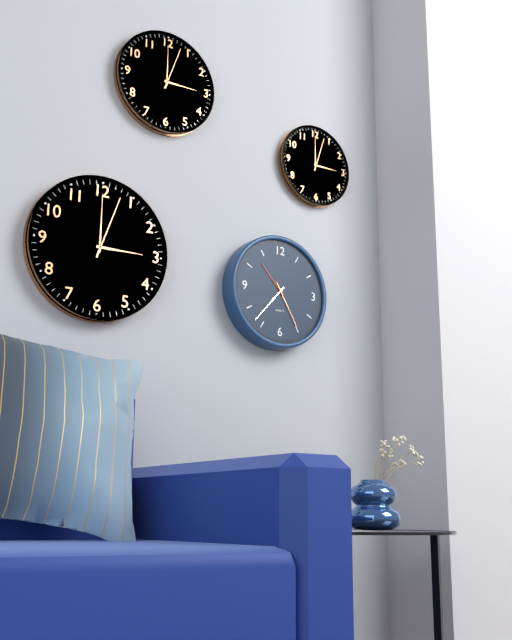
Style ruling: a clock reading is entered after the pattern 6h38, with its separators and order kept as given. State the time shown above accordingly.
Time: 10h37
